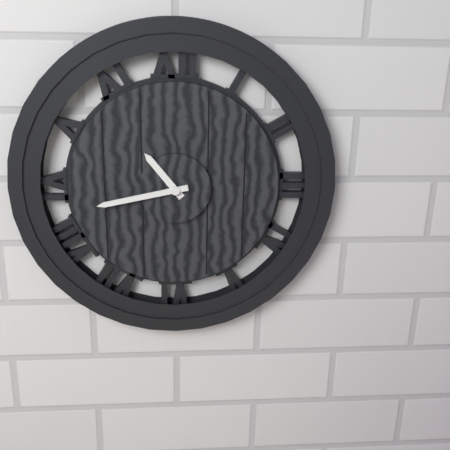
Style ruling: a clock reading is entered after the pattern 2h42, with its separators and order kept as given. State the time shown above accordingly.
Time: 10h43
